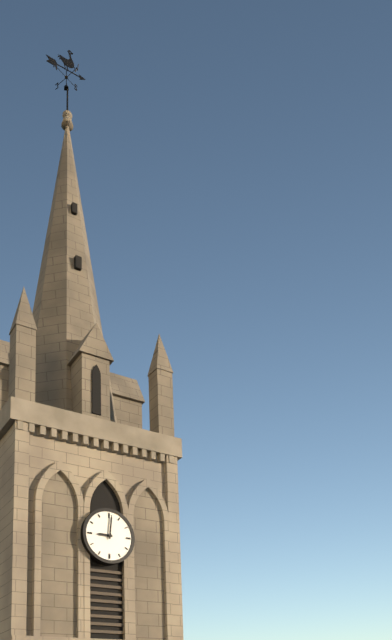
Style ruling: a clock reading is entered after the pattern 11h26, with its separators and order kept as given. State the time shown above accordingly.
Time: 9h01
